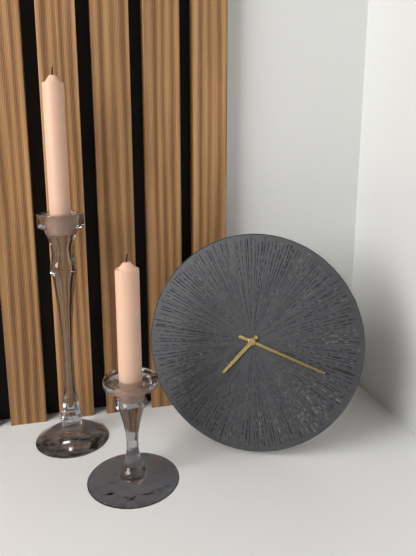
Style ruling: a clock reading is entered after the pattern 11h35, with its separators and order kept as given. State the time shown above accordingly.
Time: 7h18
